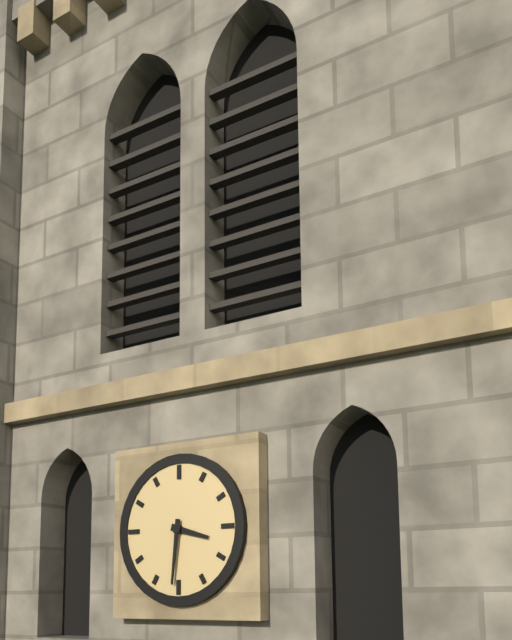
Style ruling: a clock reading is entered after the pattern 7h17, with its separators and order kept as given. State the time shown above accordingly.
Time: 3h31
